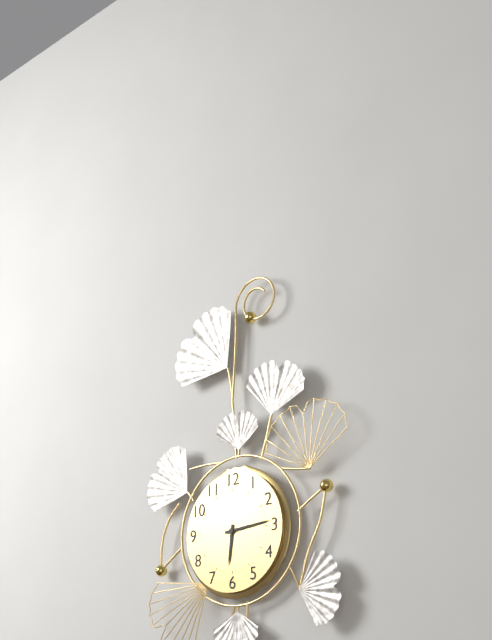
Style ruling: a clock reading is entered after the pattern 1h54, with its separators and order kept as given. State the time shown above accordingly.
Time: 6h14
